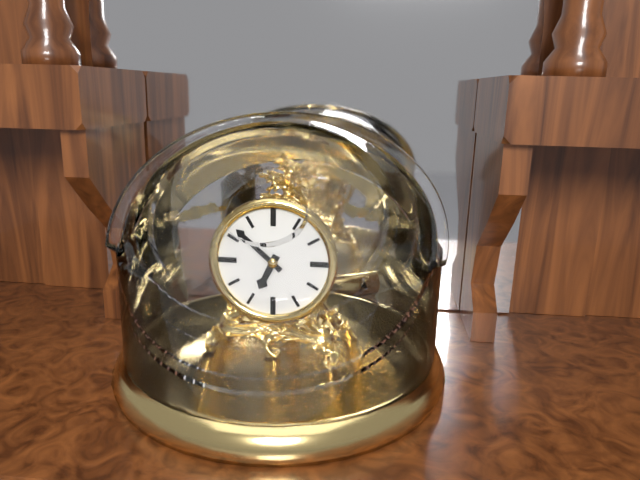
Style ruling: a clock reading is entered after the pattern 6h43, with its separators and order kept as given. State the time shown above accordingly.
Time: 6h52
